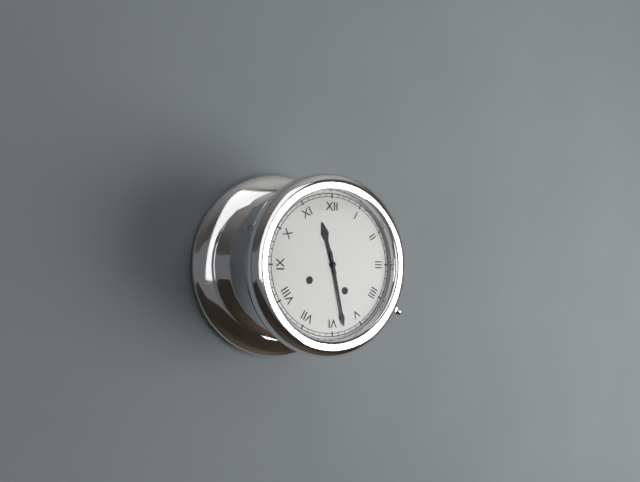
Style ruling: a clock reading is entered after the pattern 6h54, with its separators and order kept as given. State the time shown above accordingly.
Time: 11h28
